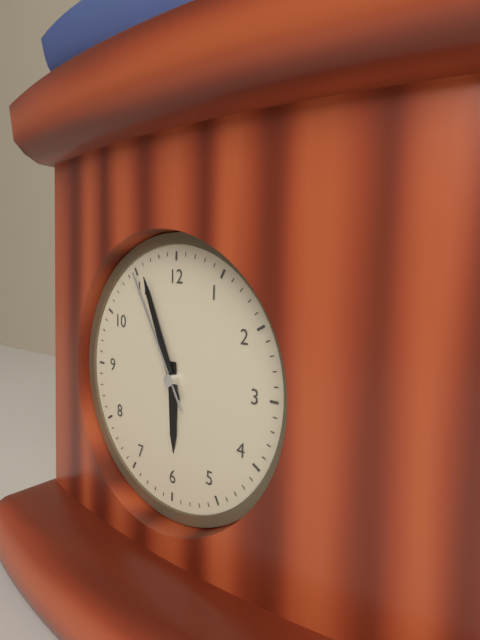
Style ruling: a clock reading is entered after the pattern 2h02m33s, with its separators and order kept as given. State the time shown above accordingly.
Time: 5h56m55s
